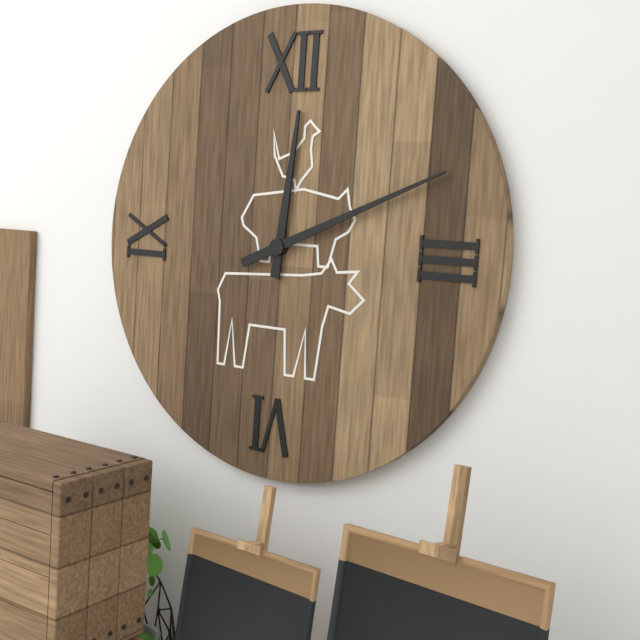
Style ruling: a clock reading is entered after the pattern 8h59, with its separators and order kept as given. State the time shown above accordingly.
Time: 12h11
